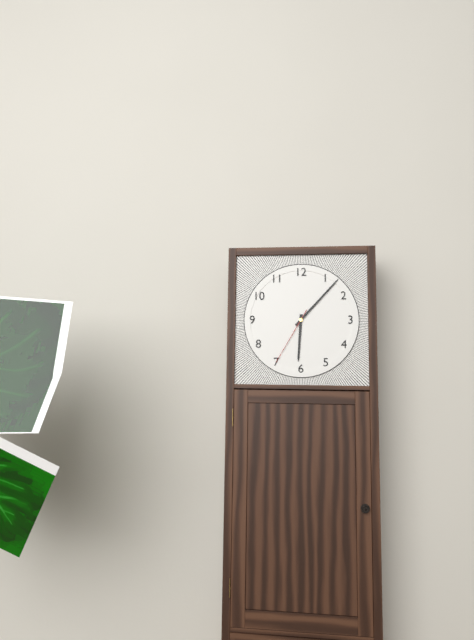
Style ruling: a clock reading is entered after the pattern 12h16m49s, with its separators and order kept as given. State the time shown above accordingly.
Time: 6h07m35s
